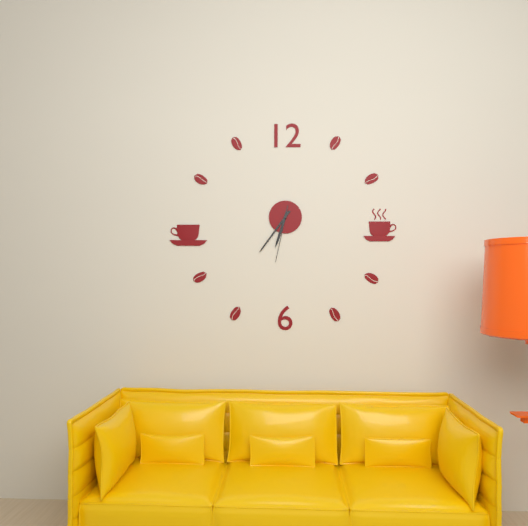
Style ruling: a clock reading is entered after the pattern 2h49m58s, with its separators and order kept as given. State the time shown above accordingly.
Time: 6h36m32s
